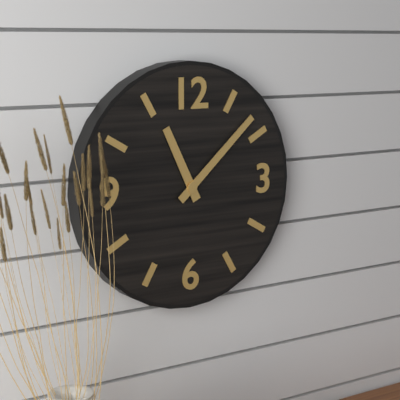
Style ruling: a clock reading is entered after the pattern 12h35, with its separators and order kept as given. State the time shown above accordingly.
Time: 11h08
